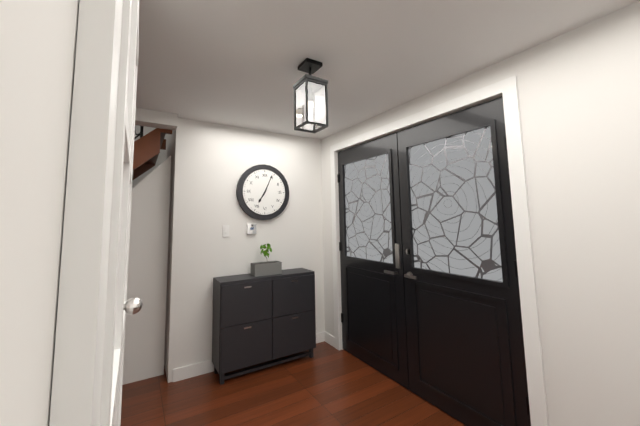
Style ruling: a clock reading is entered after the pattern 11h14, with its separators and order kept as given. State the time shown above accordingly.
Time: 7h04
